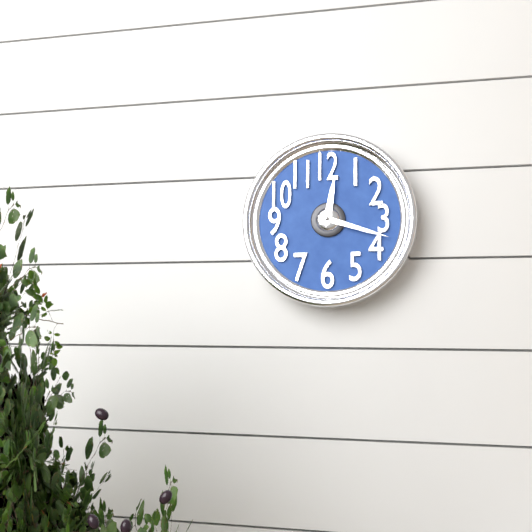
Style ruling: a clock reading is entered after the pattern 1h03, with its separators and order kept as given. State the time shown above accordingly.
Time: 12h18
